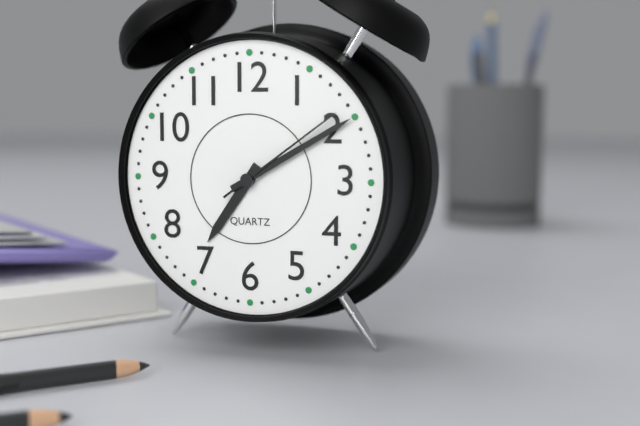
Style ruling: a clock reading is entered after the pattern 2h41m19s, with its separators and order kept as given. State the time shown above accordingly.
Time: 7h10m09s
